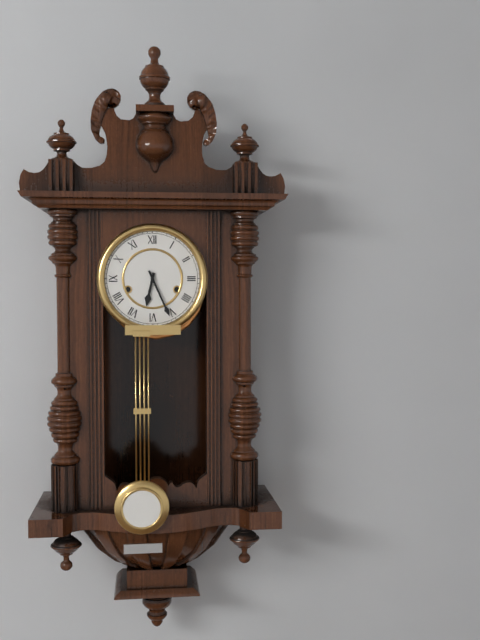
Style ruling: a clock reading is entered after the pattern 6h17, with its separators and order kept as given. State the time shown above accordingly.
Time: 6h26
